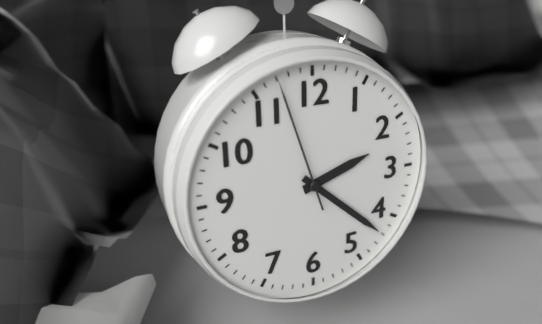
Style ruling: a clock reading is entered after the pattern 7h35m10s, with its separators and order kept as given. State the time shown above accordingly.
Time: 2h22m57s
